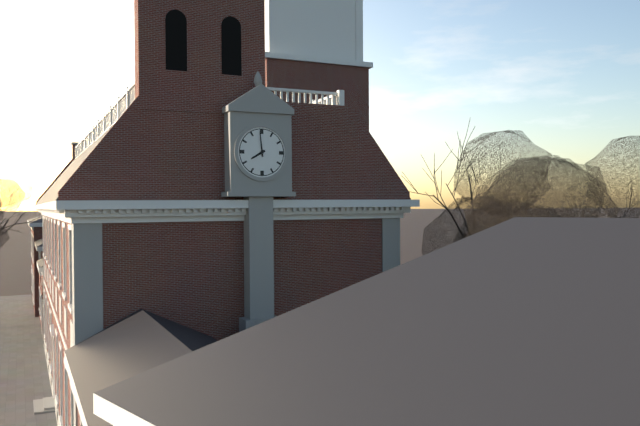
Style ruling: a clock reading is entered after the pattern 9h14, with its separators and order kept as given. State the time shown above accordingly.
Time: 7h59
